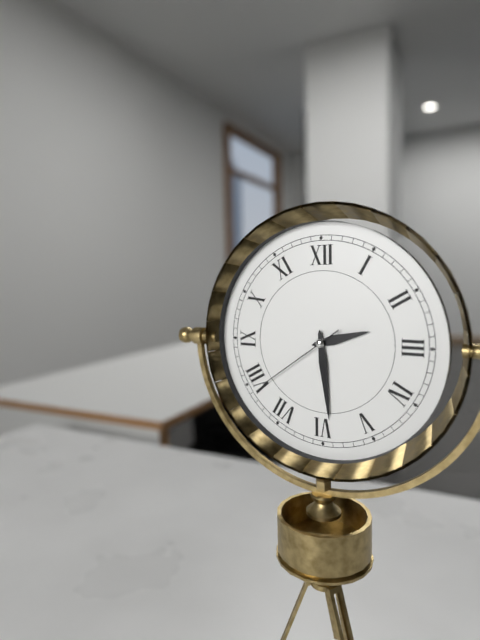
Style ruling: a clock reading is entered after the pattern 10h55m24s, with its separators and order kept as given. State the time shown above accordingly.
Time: 2h29m39s
